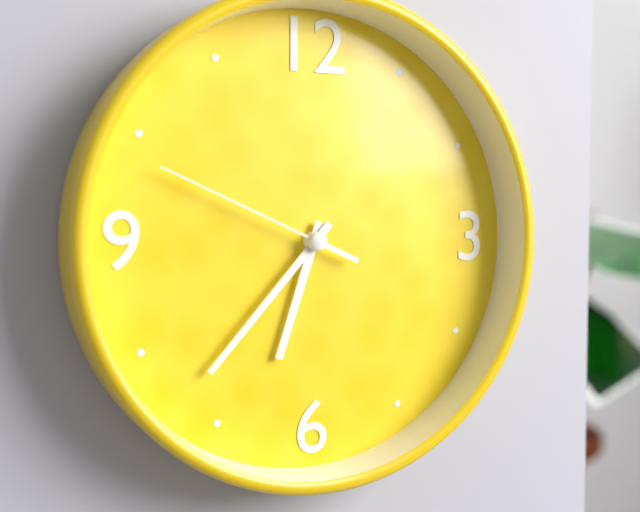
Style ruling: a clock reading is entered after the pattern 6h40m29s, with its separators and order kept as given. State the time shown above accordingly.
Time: 6h37m49s
